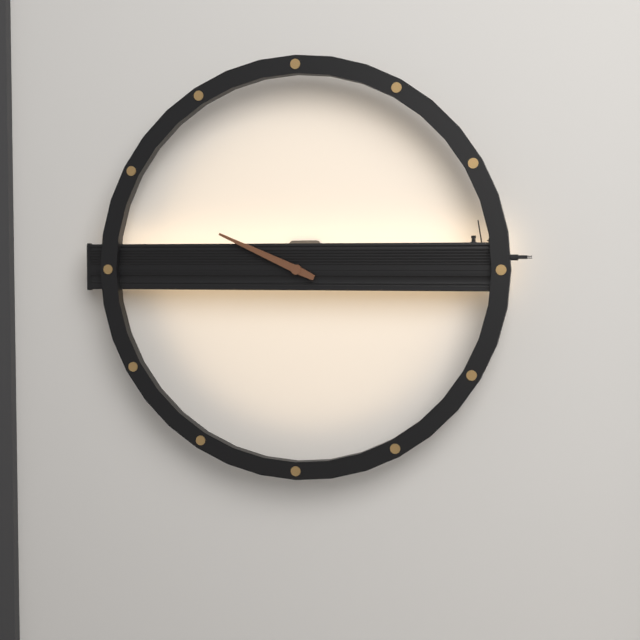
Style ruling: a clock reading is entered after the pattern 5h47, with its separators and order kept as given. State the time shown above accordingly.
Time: 9h49
